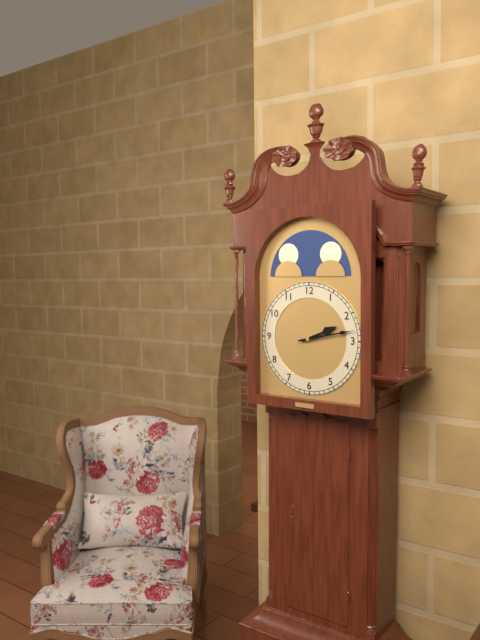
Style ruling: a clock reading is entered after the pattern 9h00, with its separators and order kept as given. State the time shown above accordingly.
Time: 2h13
